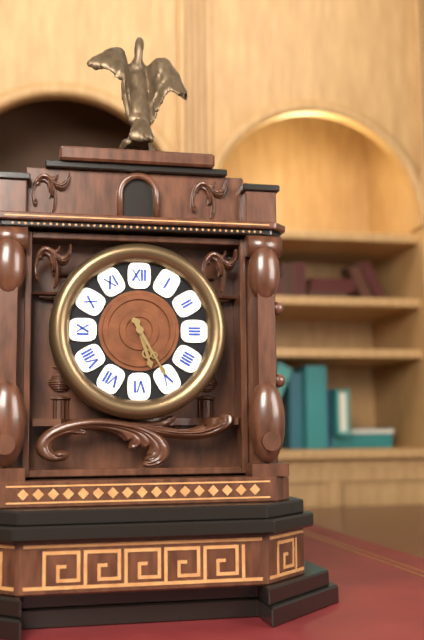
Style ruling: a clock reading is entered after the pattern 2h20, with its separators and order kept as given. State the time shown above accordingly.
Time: 5h25
